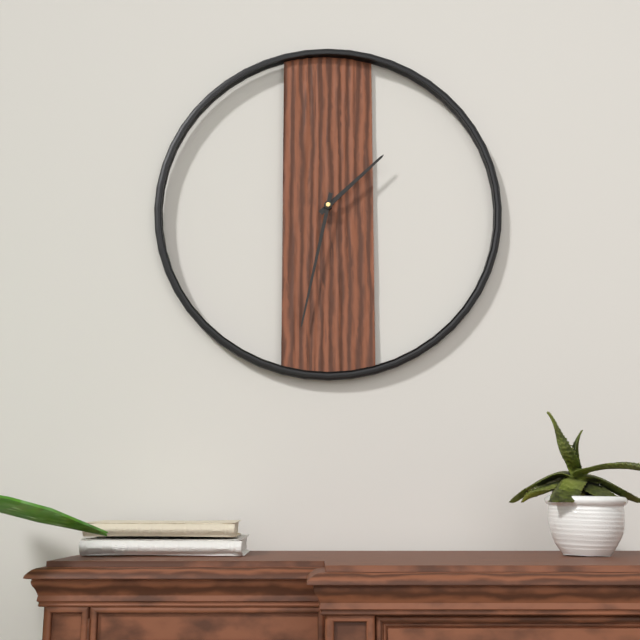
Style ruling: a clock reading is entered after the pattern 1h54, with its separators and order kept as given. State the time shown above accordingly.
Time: 1h32
